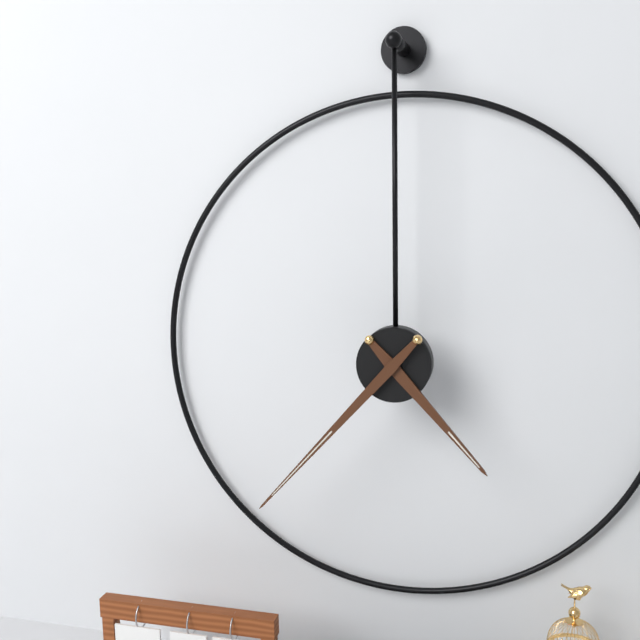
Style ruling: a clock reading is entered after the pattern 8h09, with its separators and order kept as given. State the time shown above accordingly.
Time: 4h37
